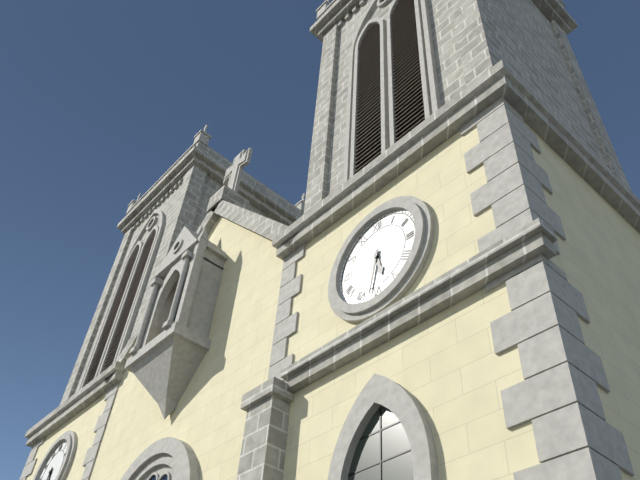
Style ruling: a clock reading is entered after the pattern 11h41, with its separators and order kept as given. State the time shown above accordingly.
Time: 5h32
